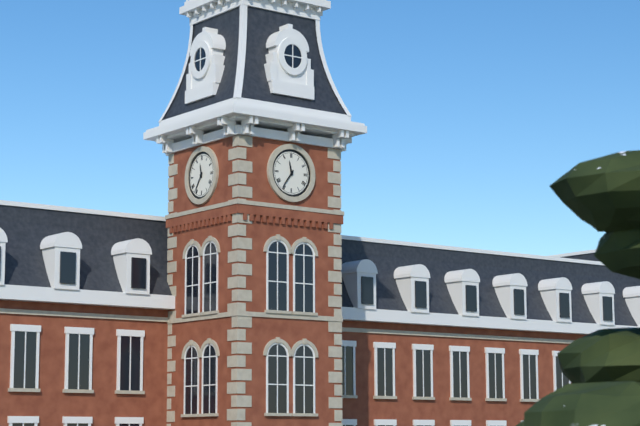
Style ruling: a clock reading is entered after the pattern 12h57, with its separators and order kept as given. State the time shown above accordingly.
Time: 11h36
